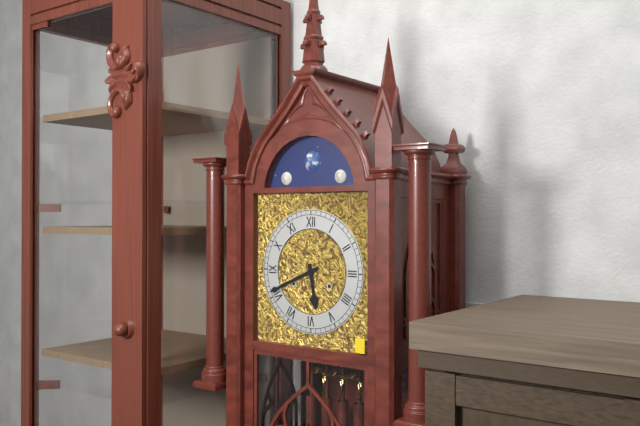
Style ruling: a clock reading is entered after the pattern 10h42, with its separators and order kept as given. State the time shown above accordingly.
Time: 5h41
